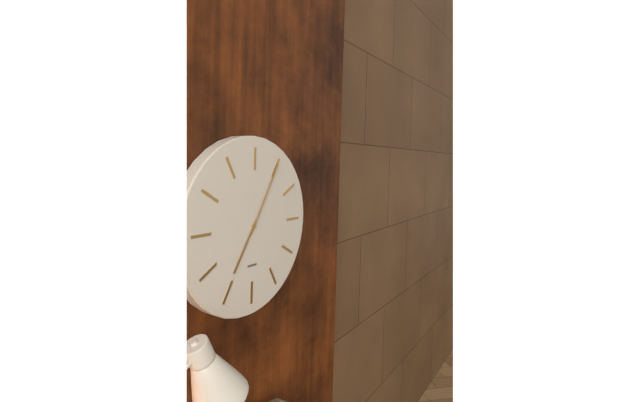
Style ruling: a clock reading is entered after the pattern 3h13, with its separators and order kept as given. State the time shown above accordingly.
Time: 7h05
